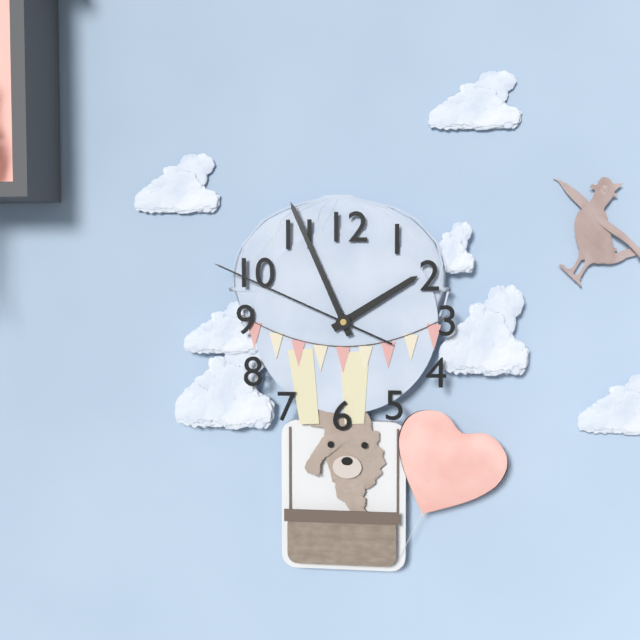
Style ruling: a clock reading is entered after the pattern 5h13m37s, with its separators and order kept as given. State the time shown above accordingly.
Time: 1h56m49s
